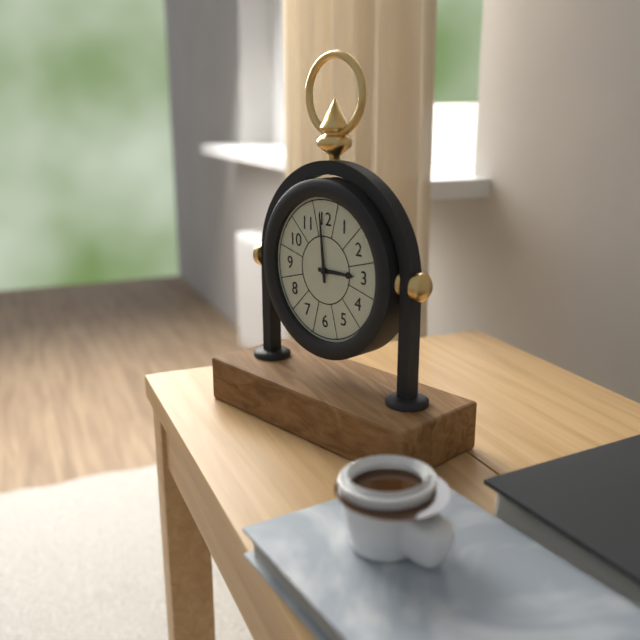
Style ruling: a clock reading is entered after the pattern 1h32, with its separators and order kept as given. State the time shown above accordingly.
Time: 2h59
